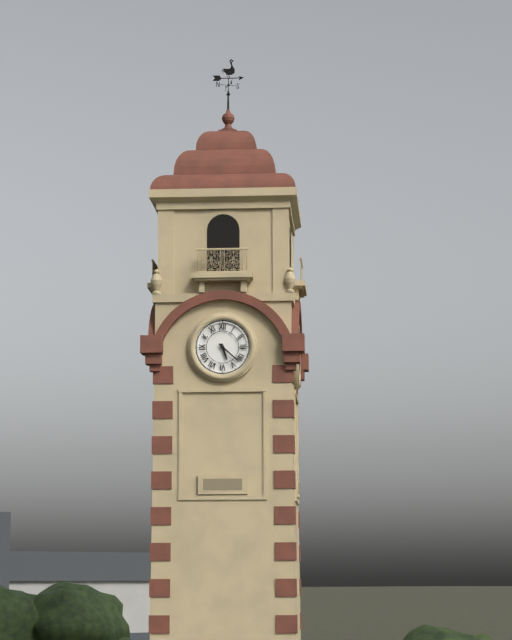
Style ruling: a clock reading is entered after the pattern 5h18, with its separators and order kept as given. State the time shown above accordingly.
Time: 5h22
